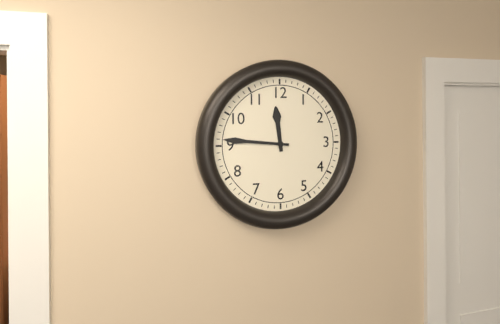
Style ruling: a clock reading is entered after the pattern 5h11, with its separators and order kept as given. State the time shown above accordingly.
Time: 11h46
